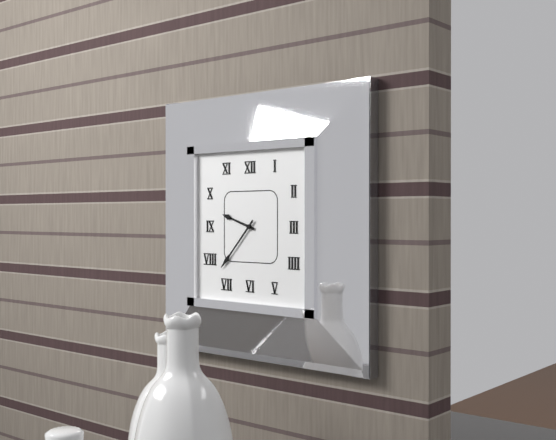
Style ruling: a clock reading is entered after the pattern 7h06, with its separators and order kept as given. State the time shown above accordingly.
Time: 9h37
